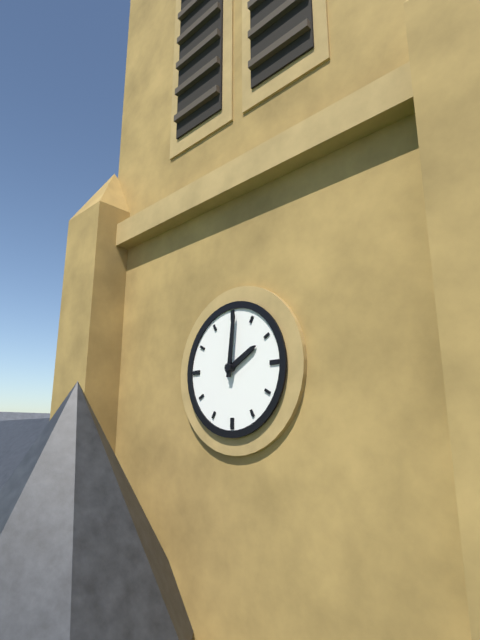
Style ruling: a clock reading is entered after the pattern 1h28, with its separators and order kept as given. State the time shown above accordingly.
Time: 2h01
